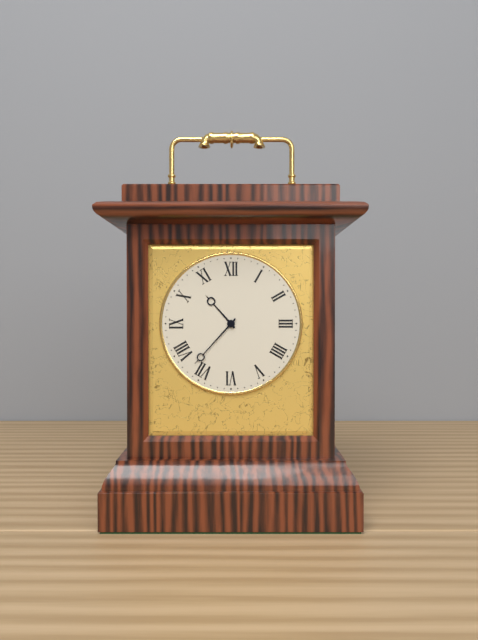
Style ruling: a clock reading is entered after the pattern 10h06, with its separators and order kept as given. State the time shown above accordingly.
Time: 10h37
